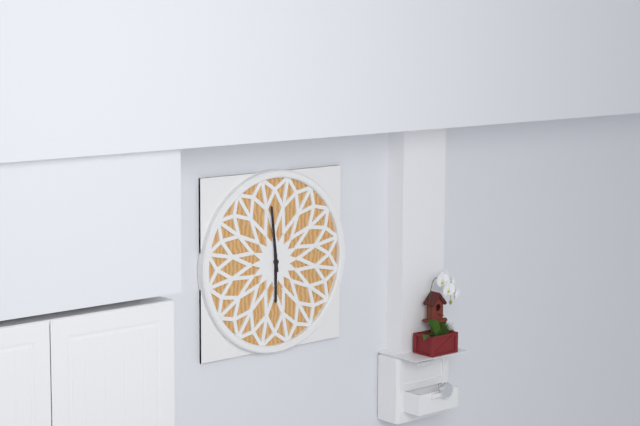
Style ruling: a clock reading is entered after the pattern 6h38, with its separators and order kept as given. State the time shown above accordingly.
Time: 5h59
